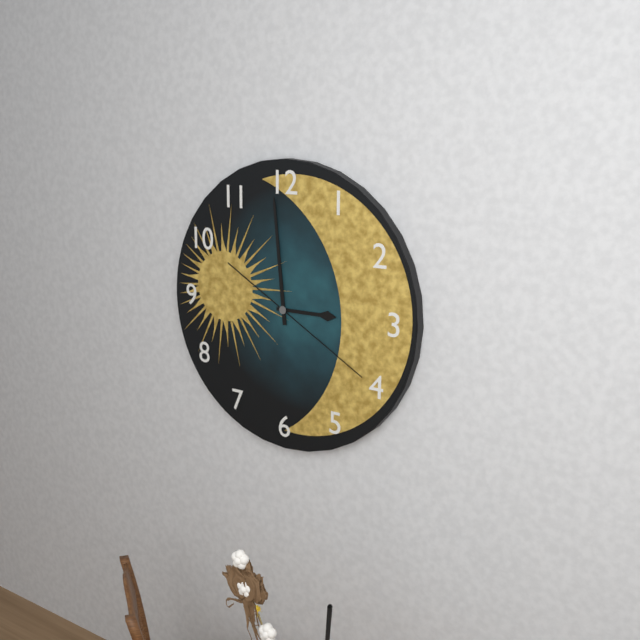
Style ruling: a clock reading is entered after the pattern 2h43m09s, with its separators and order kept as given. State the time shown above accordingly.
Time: 2h59m20s
